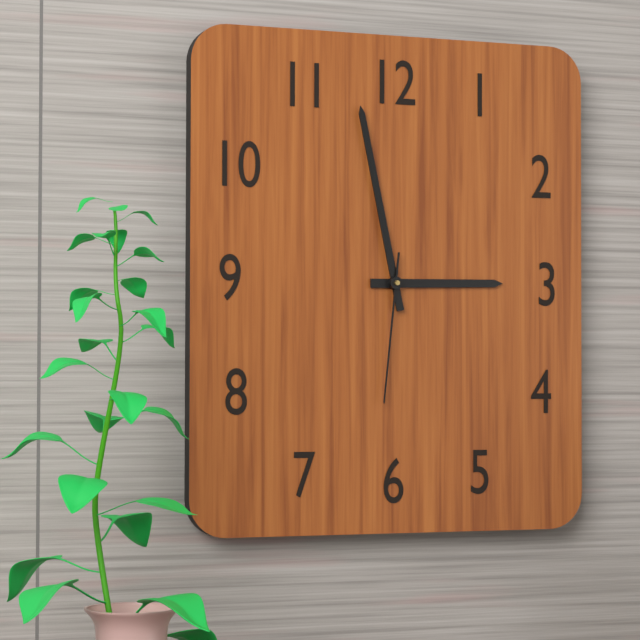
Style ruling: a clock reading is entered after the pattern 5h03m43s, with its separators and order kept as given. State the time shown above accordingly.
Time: 2h58m31s
